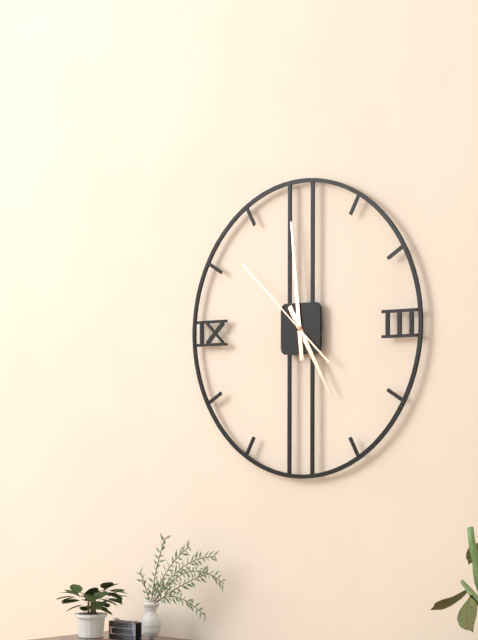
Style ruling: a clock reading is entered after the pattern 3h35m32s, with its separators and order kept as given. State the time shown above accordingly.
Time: 4h59m52s
